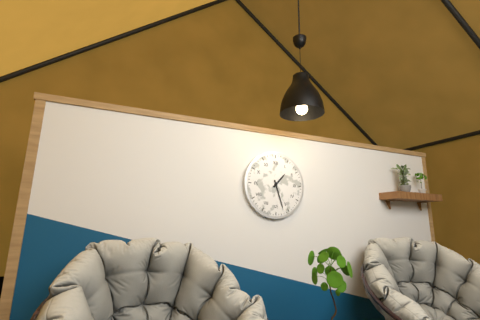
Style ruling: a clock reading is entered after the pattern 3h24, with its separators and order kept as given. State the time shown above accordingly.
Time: 1h27
